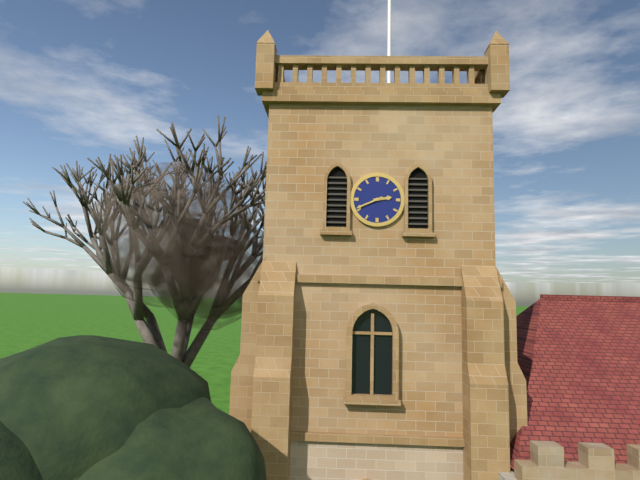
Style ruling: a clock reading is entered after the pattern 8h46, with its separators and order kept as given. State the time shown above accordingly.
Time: 2h41
